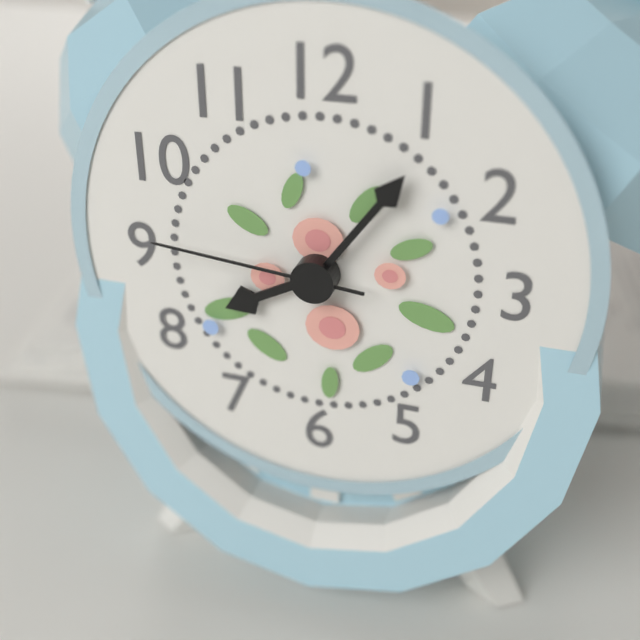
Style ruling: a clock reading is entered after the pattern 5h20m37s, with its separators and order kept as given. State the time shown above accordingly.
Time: 8h06m46s
